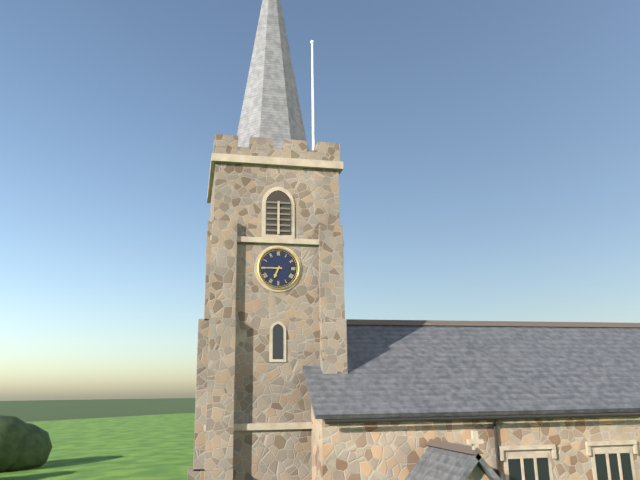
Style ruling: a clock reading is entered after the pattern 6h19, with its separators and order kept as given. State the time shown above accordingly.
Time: 6h45
